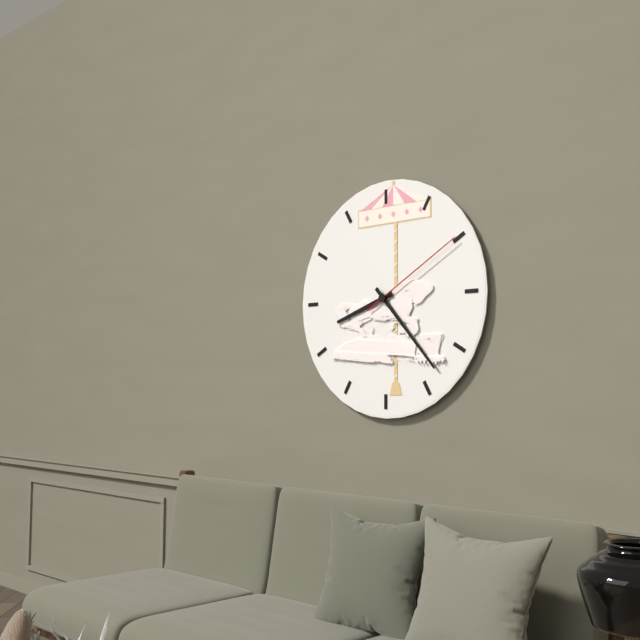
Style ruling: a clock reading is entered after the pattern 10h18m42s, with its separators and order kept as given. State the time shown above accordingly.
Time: 8h23m10s
